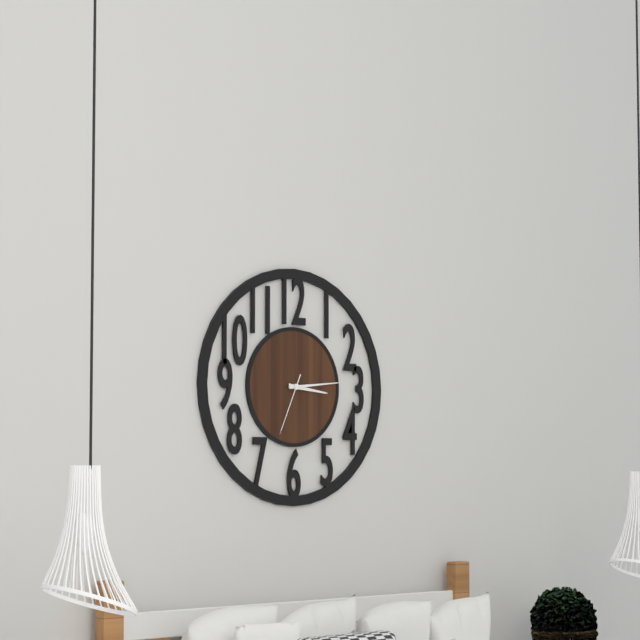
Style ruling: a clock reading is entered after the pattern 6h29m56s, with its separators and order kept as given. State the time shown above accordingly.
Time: 3h14m34s
